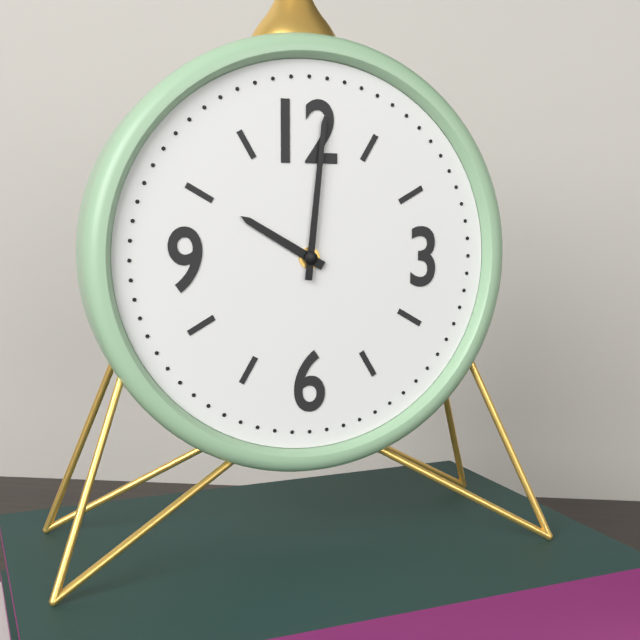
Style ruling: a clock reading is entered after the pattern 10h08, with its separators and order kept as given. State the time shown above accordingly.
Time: 10h01
